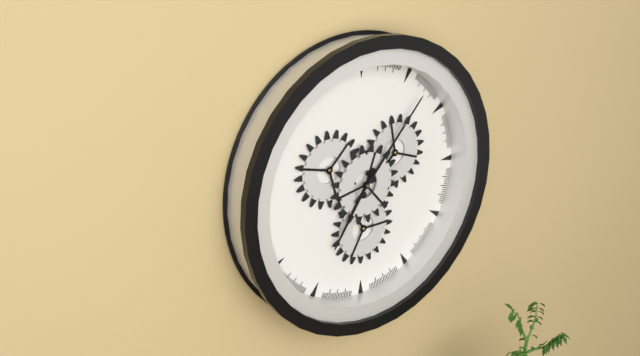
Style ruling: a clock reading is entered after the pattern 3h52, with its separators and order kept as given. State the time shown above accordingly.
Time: 7h07
